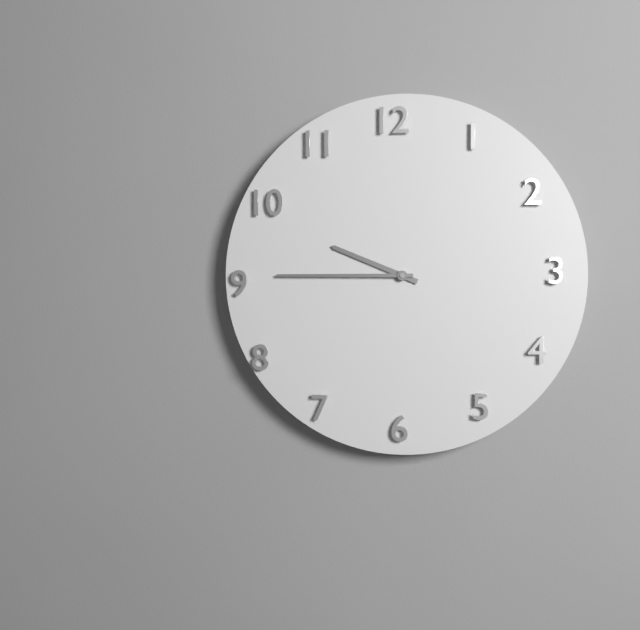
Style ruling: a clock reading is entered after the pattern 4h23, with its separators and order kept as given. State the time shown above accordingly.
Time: 9h45
